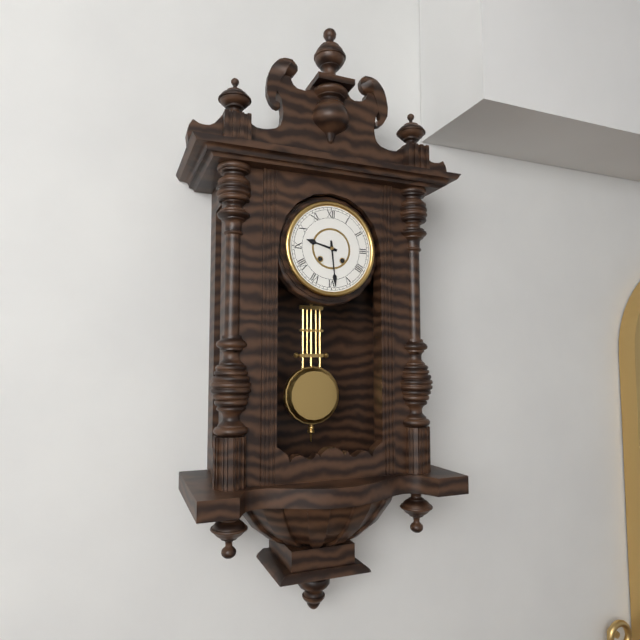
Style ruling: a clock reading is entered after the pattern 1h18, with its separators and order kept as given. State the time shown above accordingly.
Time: 9h29
